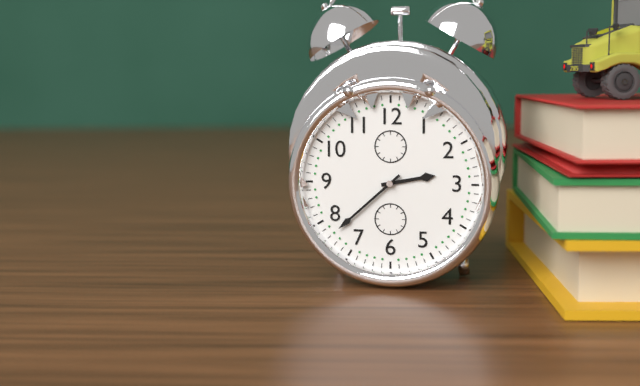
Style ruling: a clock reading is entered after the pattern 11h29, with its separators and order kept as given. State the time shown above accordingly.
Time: 2h38
